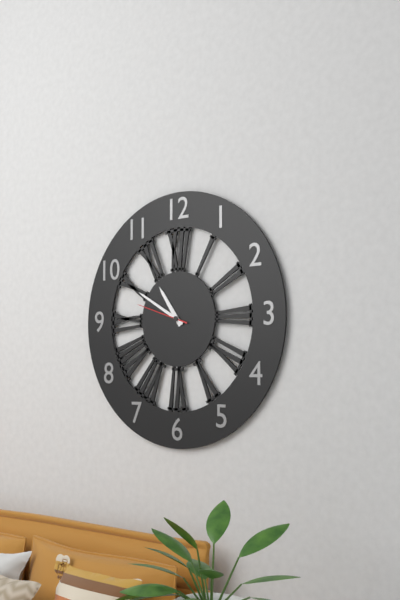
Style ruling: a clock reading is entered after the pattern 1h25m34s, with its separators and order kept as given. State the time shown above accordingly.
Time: 10h50m48s
